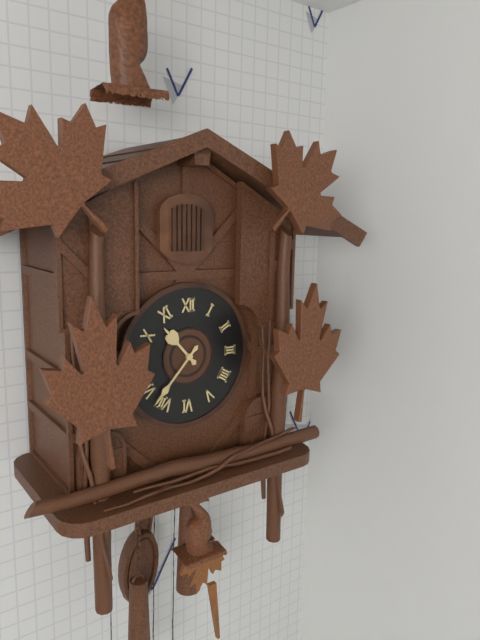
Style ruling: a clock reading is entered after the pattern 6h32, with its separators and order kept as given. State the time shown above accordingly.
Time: 10h37
